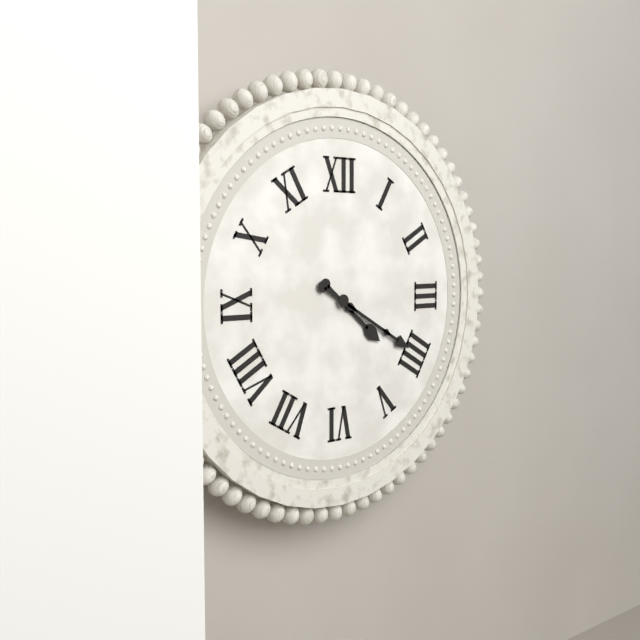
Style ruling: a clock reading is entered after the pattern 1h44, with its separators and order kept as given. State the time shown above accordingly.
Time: 4h20
